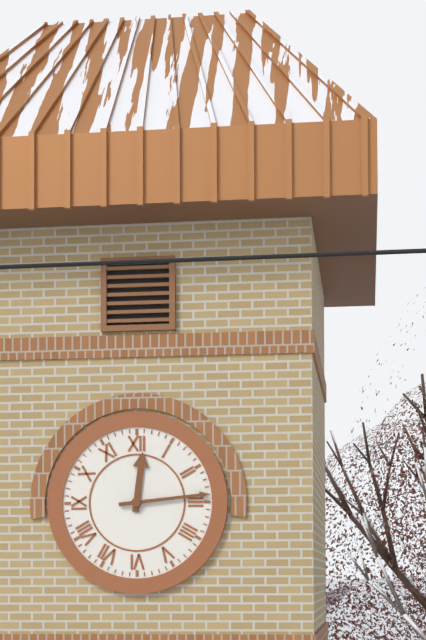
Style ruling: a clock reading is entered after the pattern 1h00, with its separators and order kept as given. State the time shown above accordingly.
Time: 12h14
